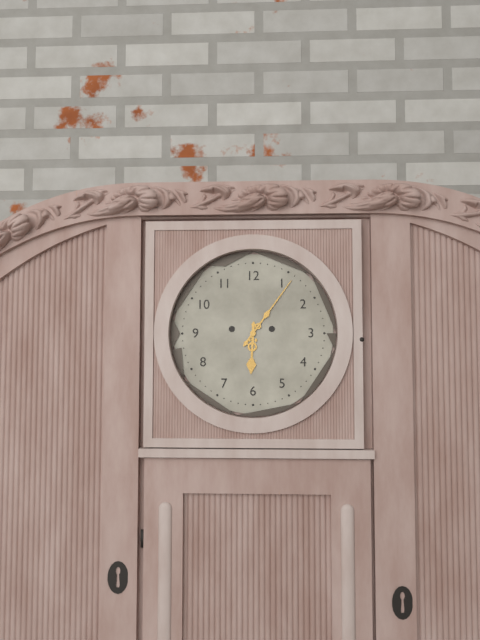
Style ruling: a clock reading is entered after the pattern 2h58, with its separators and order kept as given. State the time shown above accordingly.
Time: 6h06
